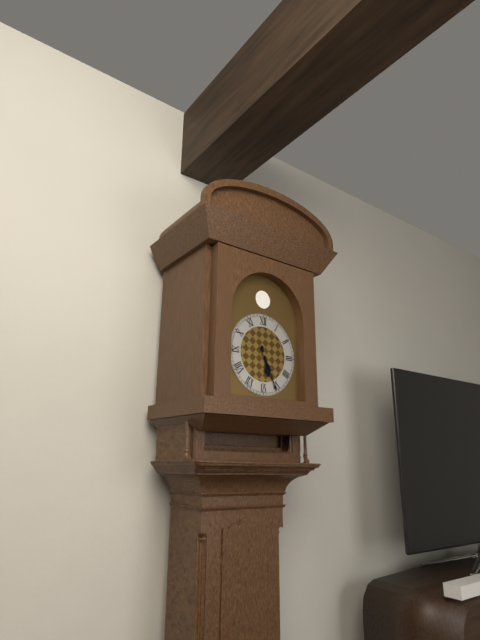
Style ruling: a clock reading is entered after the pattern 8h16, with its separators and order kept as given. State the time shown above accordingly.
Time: 5h26
